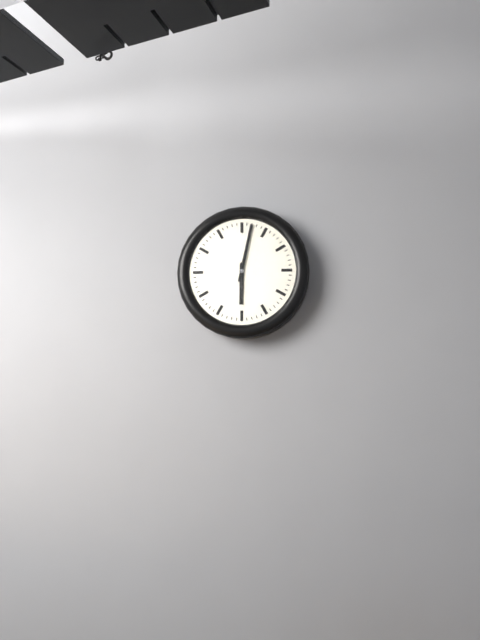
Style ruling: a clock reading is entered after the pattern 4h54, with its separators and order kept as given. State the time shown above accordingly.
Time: 6h02
